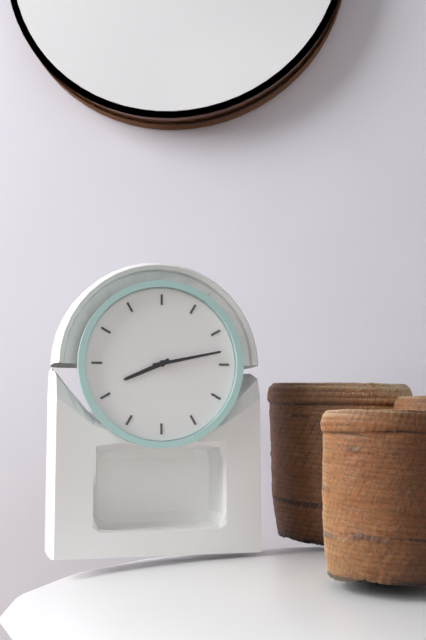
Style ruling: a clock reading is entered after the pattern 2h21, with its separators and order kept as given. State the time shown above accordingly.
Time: 8h13
